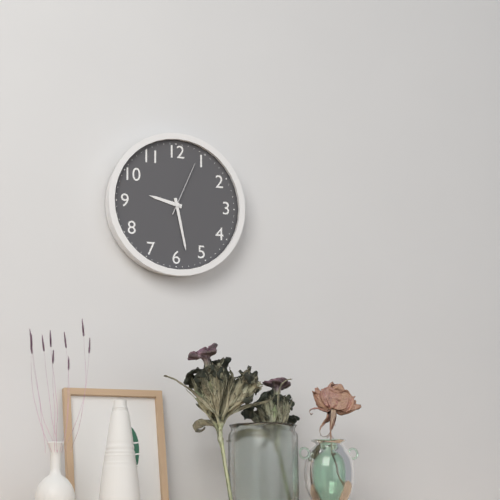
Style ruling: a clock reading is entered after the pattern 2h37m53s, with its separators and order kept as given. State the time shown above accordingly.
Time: 9h28m04s
